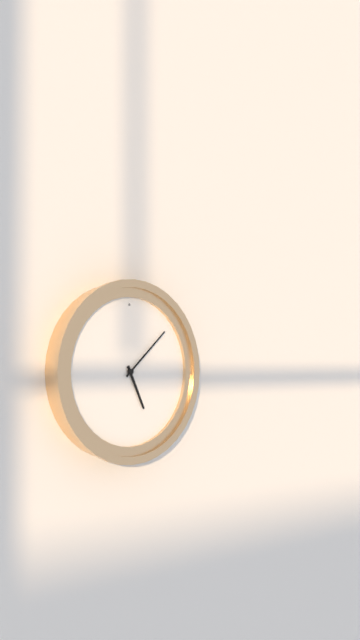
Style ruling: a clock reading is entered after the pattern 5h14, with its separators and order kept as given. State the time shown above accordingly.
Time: 5h08
